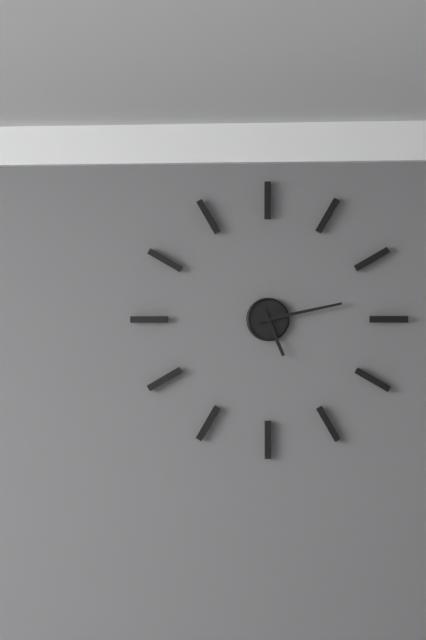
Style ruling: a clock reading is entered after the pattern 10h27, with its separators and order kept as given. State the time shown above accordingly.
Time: 5h13
